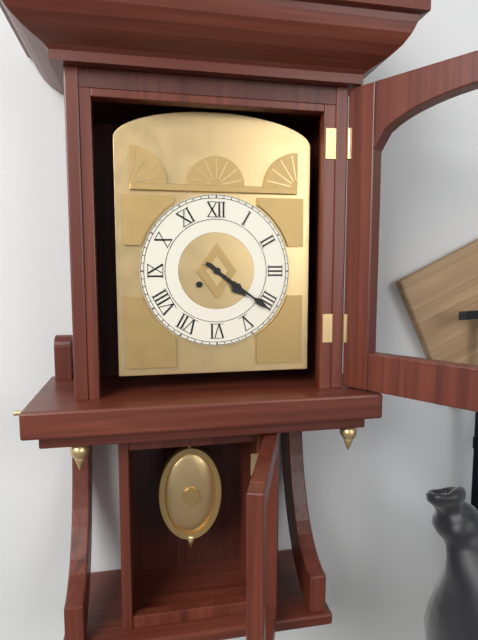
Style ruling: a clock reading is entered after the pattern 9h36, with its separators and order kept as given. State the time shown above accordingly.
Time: 4h21
